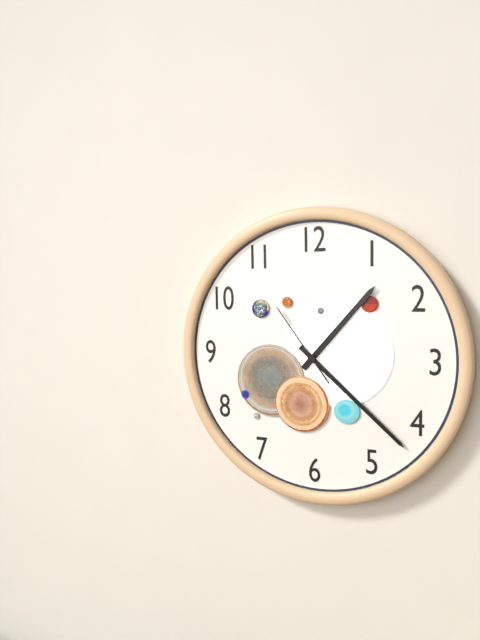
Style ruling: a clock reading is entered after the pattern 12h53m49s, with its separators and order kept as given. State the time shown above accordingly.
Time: 1h22m54s
